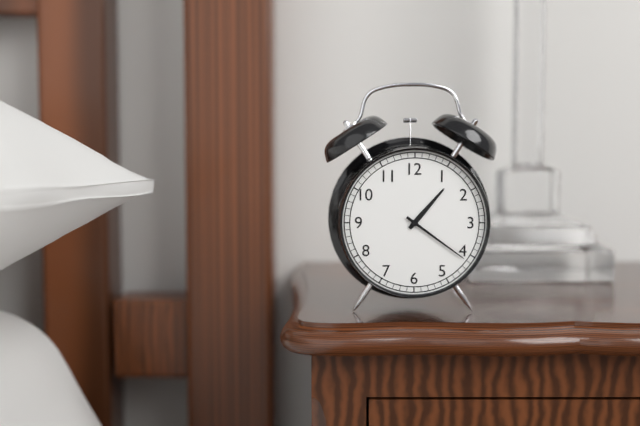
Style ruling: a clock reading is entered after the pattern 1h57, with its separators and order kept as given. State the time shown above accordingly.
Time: 1h21
